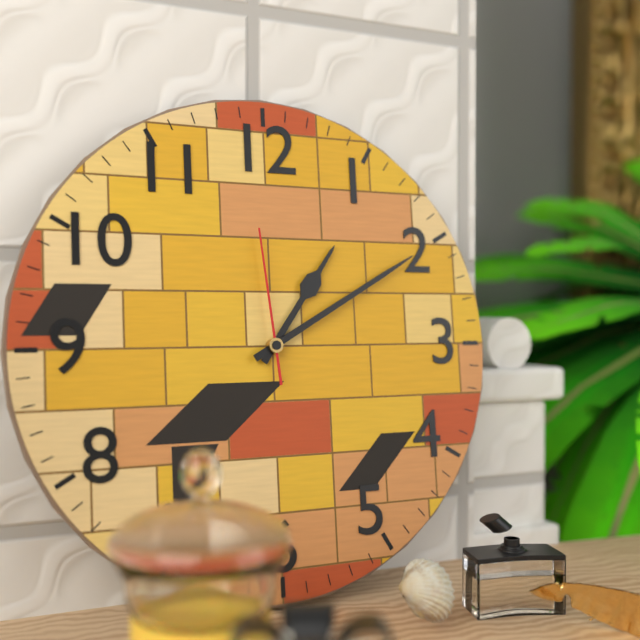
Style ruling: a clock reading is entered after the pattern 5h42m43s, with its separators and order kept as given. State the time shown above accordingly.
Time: 1h10m59s
